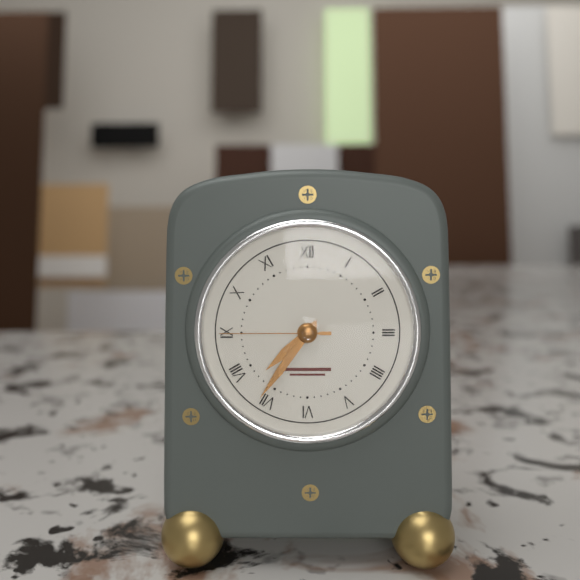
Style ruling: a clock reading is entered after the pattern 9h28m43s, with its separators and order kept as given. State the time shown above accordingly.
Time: 7h36m45s
